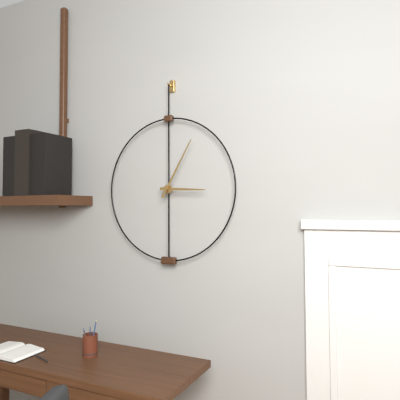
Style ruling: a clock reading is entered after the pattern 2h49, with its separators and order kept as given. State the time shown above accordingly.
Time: 3h05
